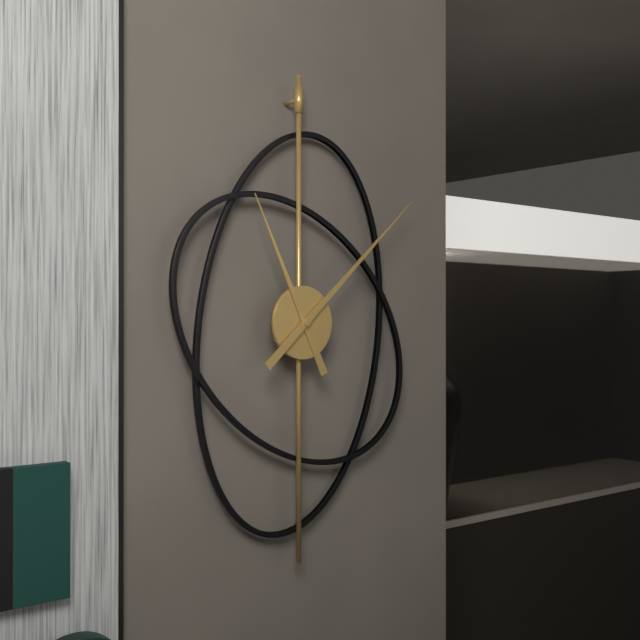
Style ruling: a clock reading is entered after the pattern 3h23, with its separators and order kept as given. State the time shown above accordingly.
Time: 11h08
